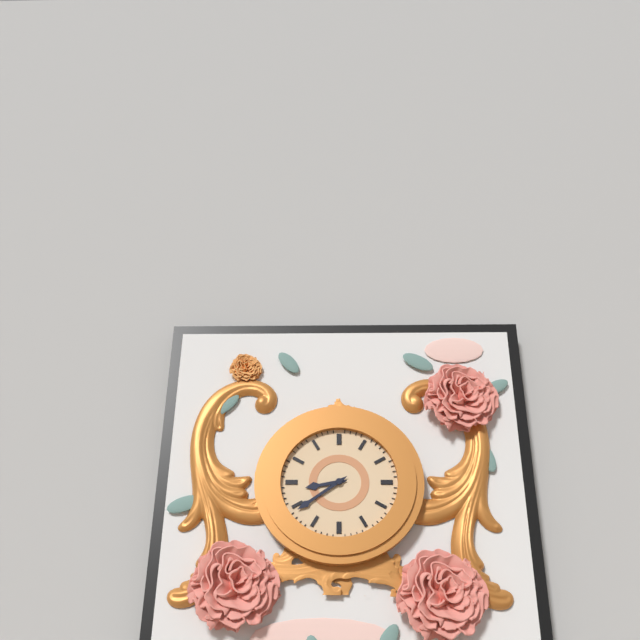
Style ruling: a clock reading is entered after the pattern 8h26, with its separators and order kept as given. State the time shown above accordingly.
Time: 8h39
